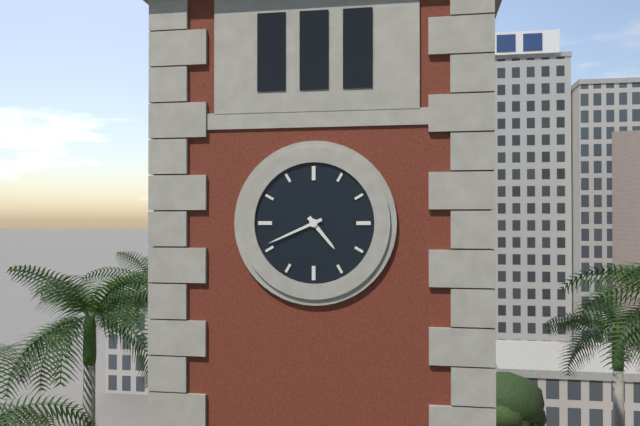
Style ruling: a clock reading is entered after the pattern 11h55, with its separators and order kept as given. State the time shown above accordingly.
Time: 4h41
